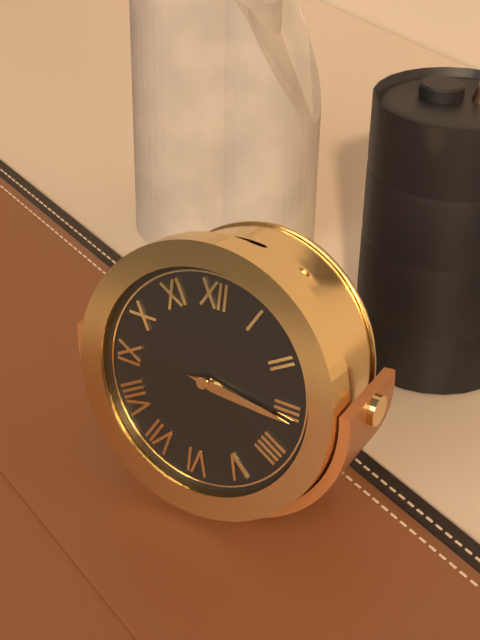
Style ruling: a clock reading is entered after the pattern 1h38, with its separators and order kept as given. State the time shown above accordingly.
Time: 3h16
